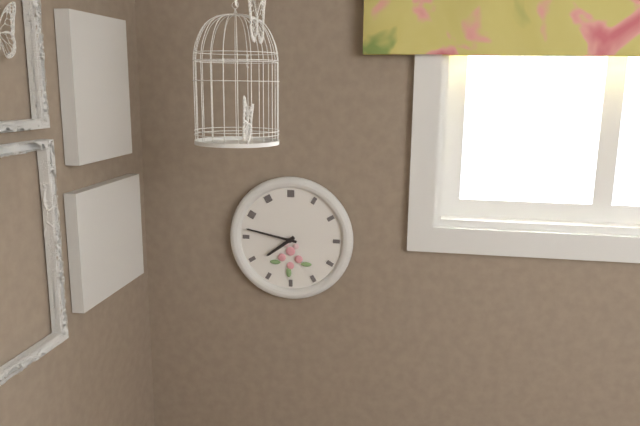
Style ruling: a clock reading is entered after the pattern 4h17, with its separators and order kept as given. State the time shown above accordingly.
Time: 7h47
